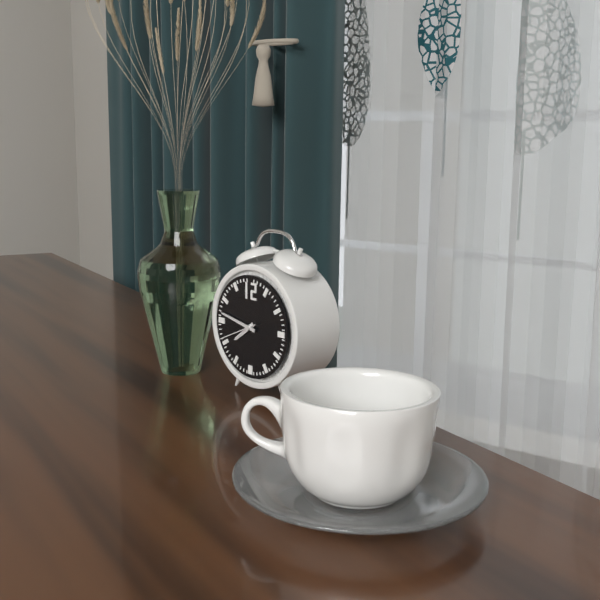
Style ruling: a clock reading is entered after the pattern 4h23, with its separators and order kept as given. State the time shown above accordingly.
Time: 7h47
